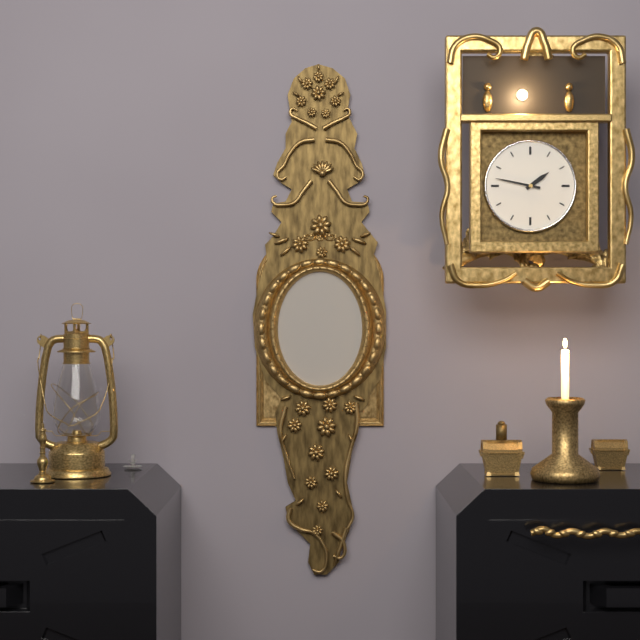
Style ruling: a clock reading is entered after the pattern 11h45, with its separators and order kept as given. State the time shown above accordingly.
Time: 1h47
